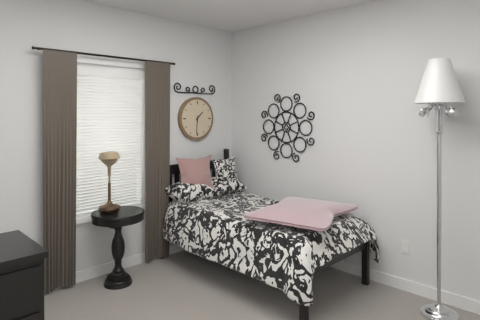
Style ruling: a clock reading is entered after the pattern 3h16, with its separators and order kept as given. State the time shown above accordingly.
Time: 1h31
